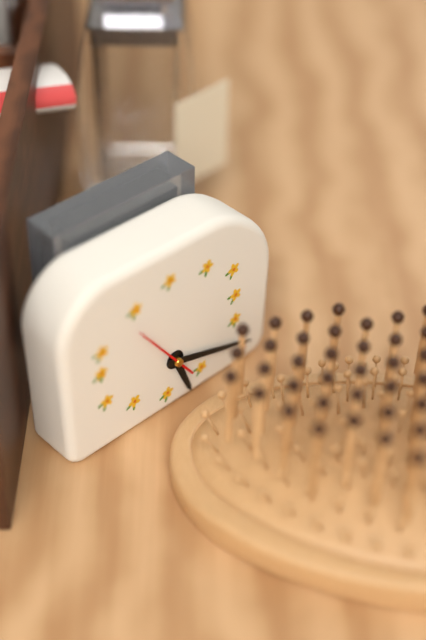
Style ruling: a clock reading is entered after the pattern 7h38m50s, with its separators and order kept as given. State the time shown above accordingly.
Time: 5h18m54s
